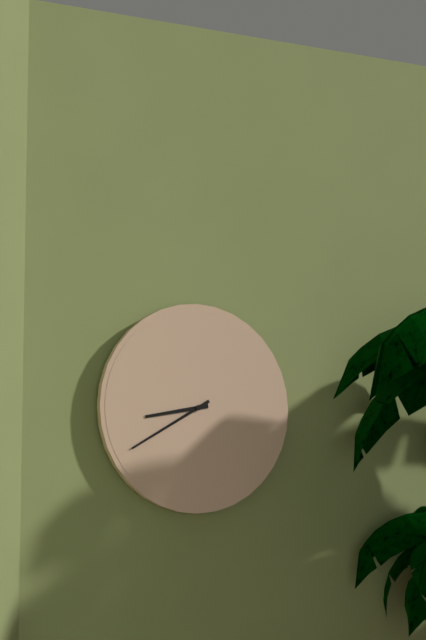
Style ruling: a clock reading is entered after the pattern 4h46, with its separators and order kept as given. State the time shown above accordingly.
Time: 8h40
